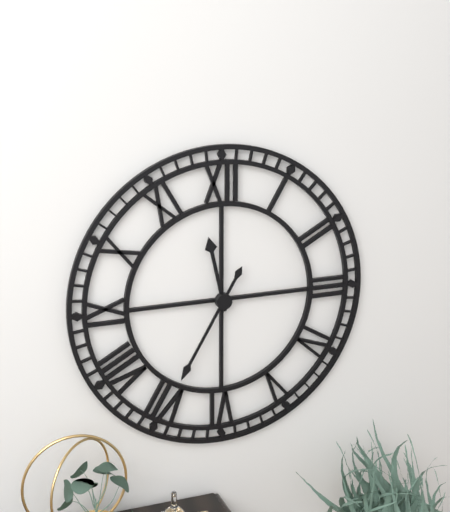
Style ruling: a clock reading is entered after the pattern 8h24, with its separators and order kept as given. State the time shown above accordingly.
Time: 11h35
